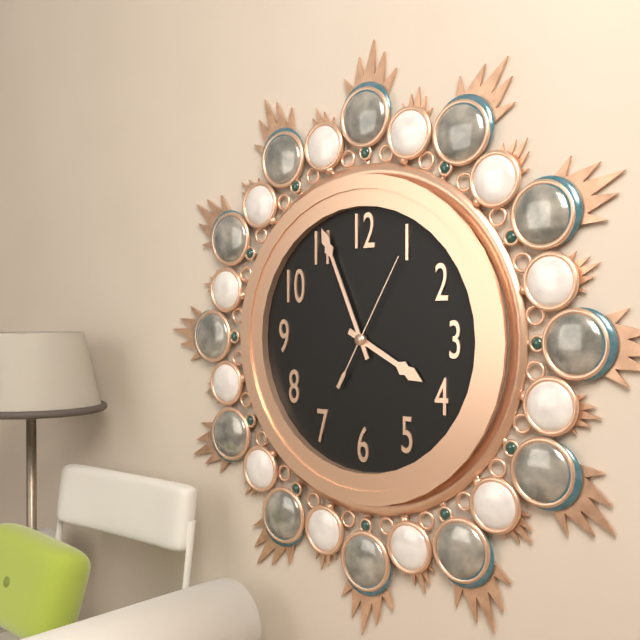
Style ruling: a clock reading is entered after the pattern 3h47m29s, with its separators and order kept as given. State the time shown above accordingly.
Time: 3h56m05s
